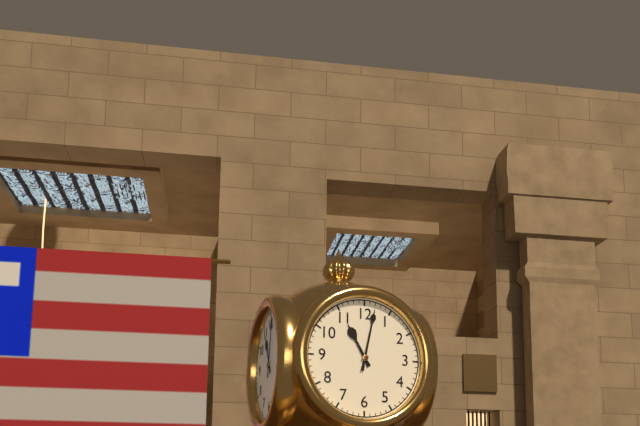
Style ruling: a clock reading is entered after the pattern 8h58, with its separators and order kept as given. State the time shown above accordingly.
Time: 11h02
